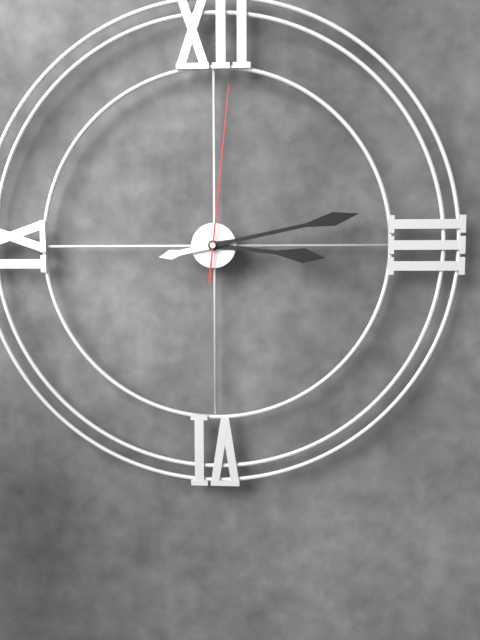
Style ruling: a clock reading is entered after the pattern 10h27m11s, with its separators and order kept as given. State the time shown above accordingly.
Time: 3h13m01s
